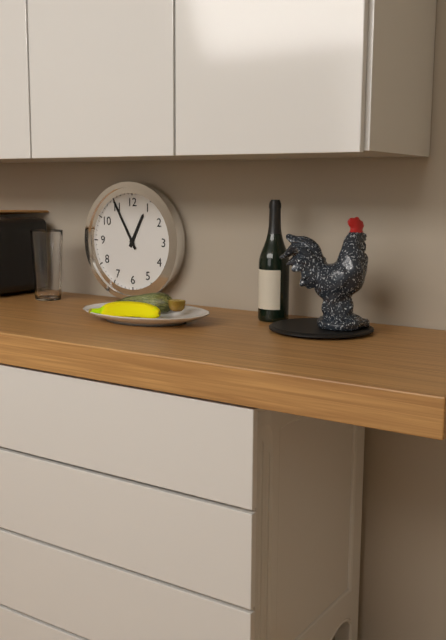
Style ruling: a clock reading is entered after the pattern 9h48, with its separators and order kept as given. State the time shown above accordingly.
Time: 12h55
